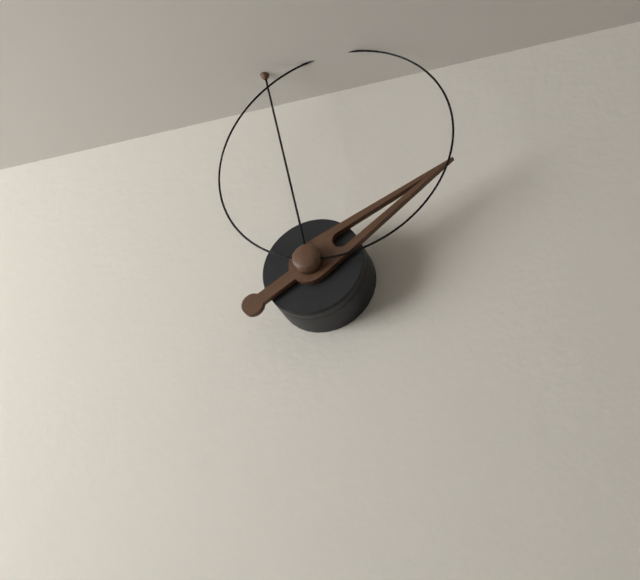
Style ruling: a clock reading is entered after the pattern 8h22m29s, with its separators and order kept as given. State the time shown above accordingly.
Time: 1h58m02s
